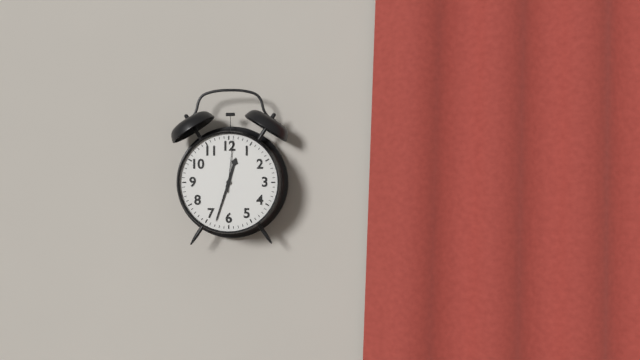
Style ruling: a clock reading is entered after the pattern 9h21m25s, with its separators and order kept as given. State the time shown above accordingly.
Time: 12h33m01s
